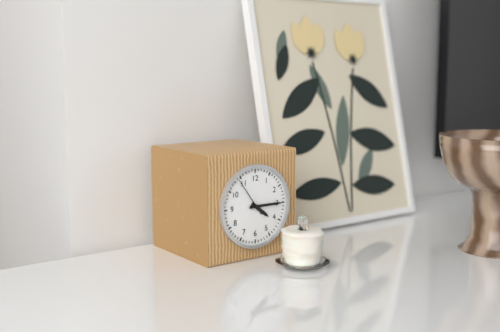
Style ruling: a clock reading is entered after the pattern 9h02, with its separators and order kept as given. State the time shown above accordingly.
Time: 4h15
